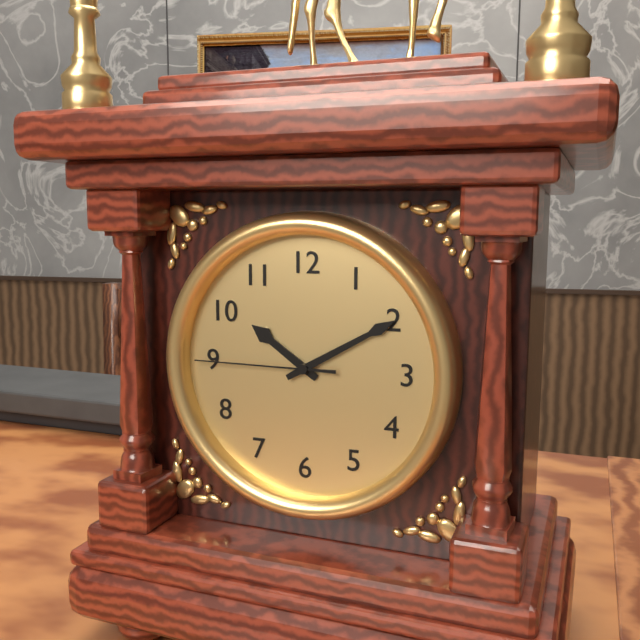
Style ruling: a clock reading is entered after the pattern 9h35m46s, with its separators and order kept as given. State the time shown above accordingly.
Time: 10h10m45s
